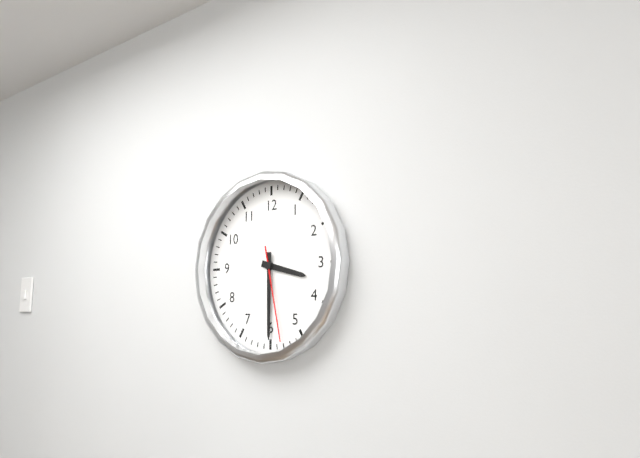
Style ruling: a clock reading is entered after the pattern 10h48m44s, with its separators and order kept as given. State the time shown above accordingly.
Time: 3h30m28s
